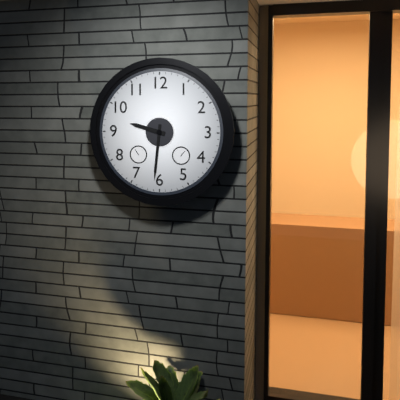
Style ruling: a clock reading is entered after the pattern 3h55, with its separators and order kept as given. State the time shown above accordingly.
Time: 9h31
